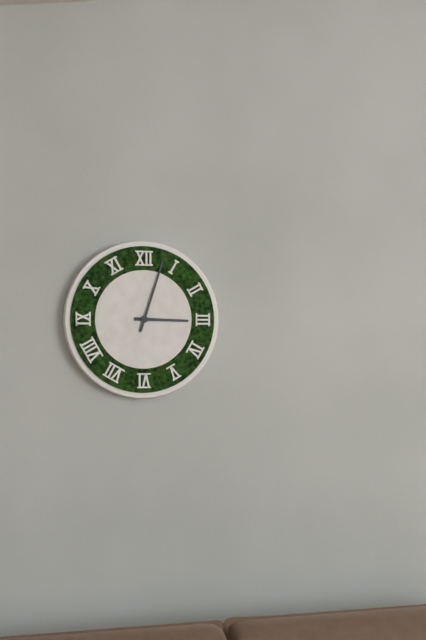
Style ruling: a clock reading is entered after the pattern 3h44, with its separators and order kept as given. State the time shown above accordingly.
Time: 3h03
